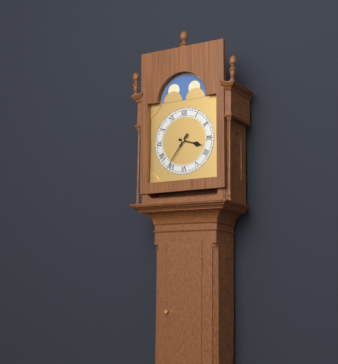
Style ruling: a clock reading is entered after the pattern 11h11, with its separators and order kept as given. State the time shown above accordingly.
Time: 3h36
